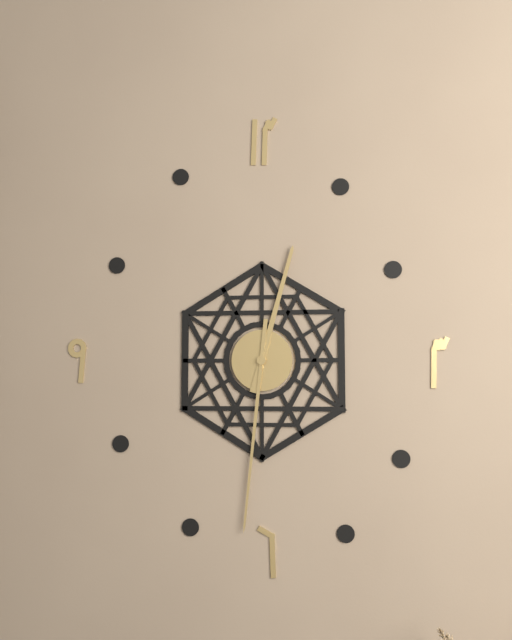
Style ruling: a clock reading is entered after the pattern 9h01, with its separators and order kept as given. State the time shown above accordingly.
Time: 12h31
